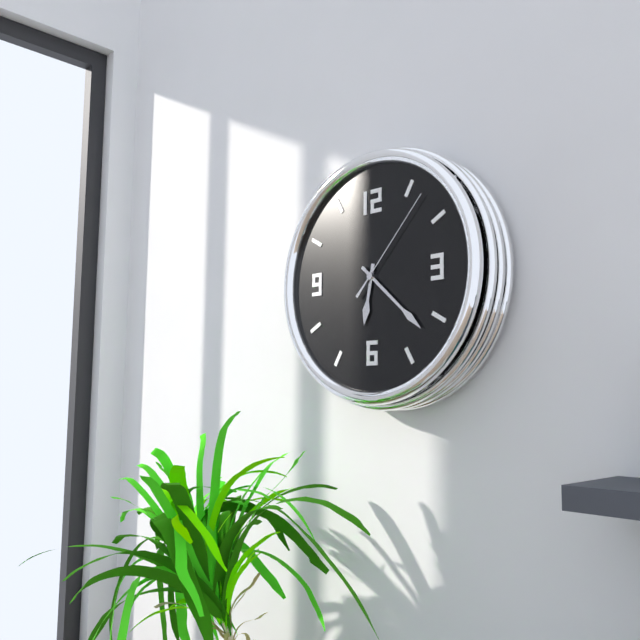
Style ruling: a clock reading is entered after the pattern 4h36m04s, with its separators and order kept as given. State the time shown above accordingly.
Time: 6h22m07s
